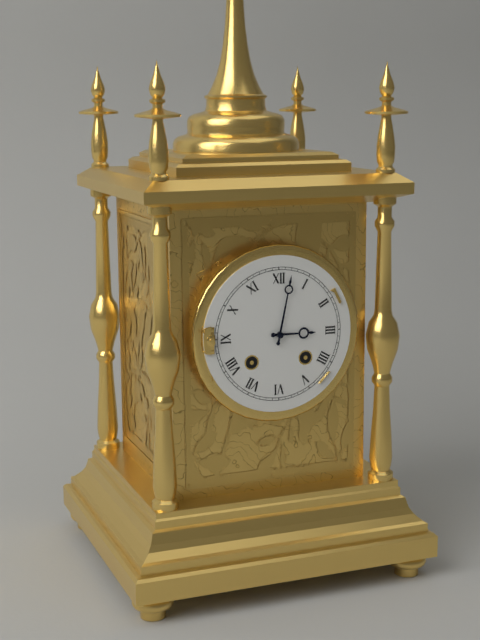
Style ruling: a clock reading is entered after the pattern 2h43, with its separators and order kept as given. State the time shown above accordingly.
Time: 3h02
